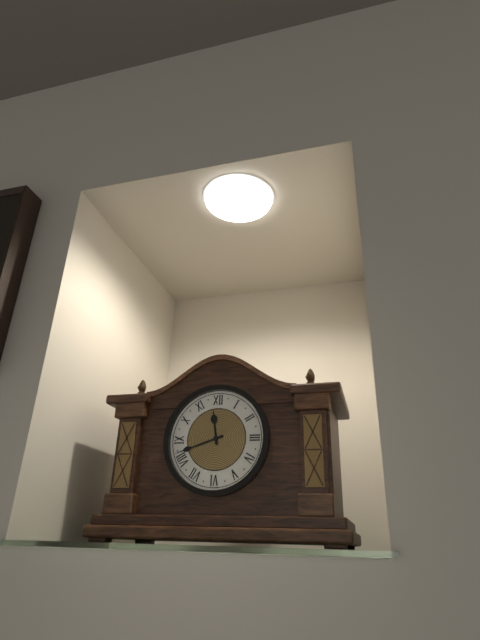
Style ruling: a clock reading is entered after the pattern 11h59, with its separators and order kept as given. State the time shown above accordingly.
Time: 11h42
